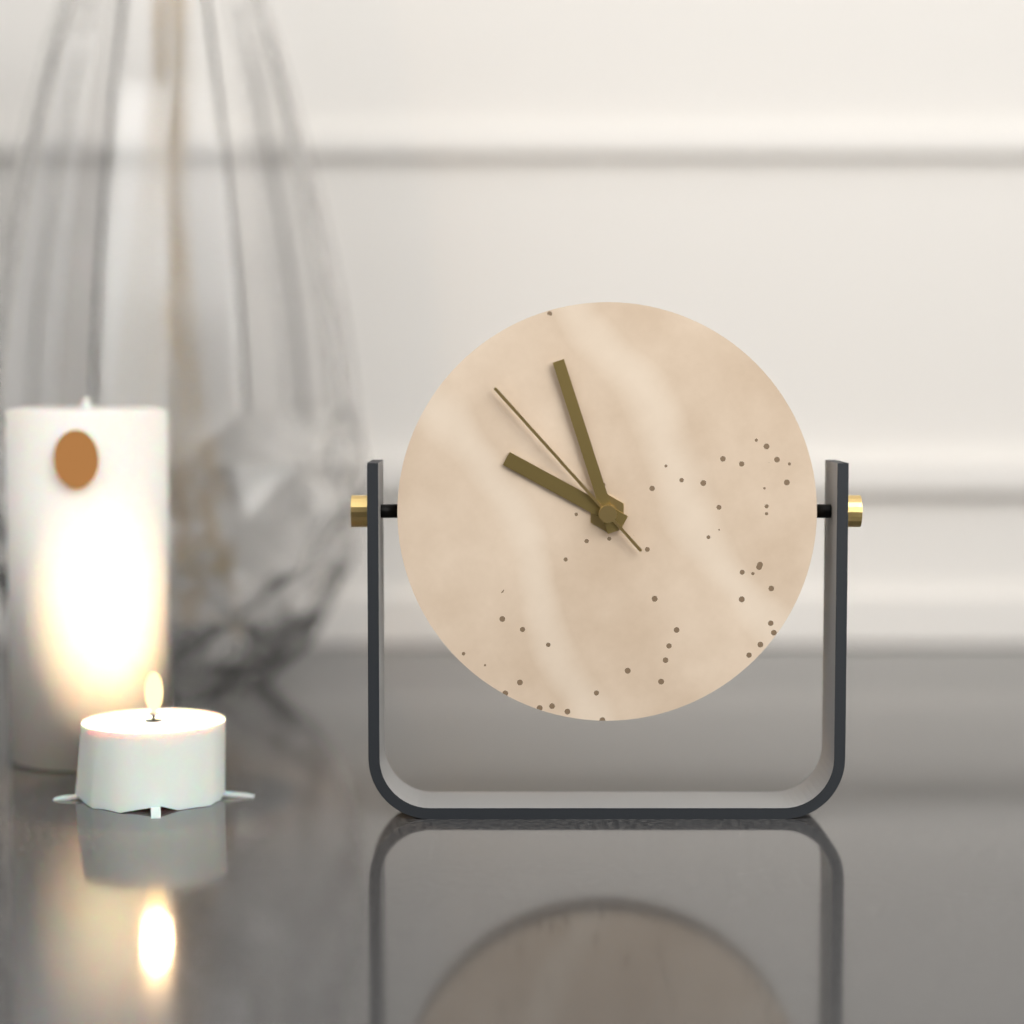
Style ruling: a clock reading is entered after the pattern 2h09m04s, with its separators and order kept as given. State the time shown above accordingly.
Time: 9h57m53s
